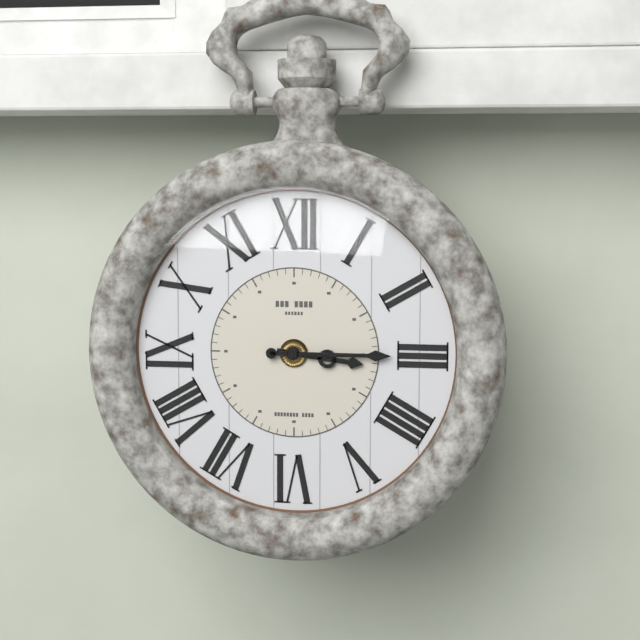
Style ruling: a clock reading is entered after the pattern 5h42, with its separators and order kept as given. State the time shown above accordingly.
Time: 3h15
